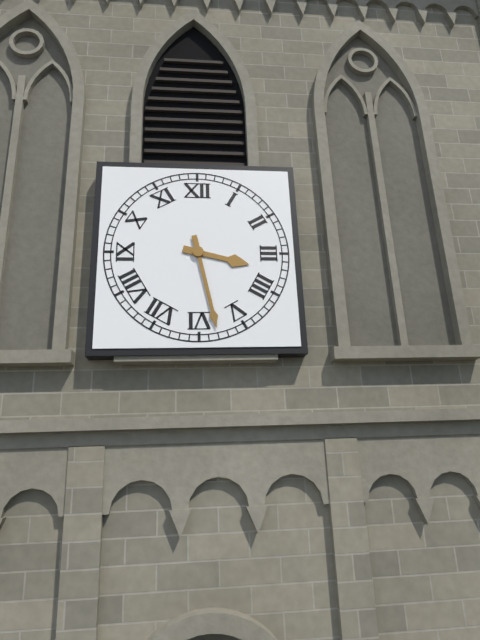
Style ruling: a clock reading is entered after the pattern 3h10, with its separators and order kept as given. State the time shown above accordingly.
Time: 3h28
